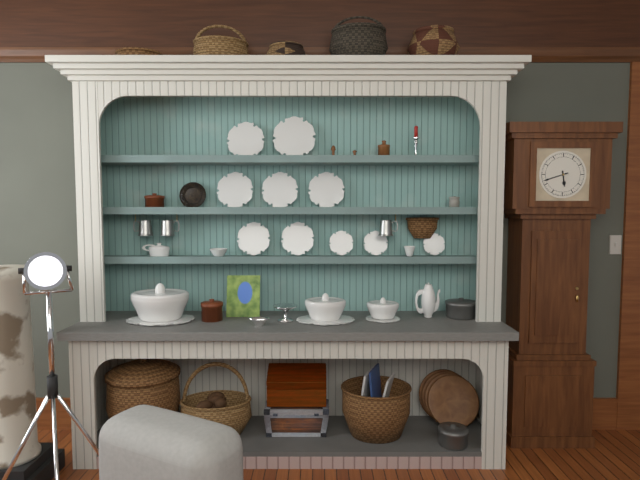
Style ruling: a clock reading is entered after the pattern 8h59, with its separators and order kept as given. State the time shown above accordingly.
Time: 5h42
